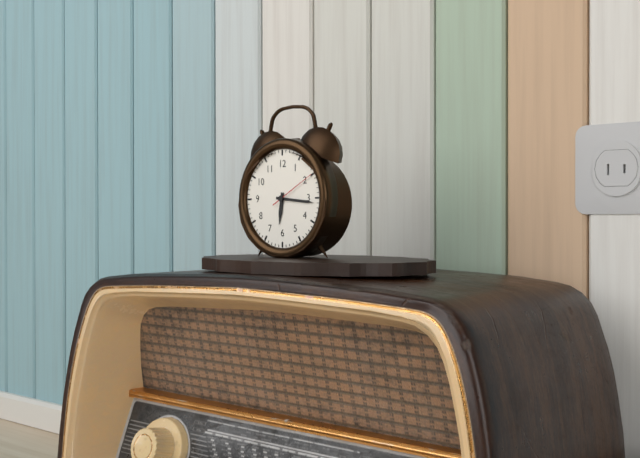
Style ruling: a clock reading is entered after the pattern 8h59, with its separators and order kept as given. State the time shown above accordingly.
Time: 6h16
